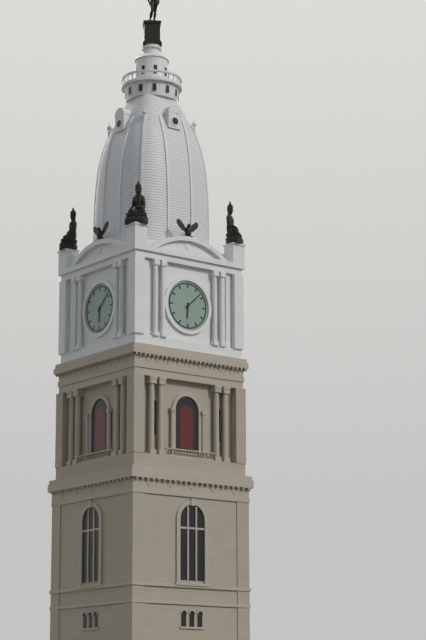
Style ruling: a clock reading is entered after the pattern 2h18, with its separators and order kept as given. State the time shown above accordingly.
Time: 6h08
